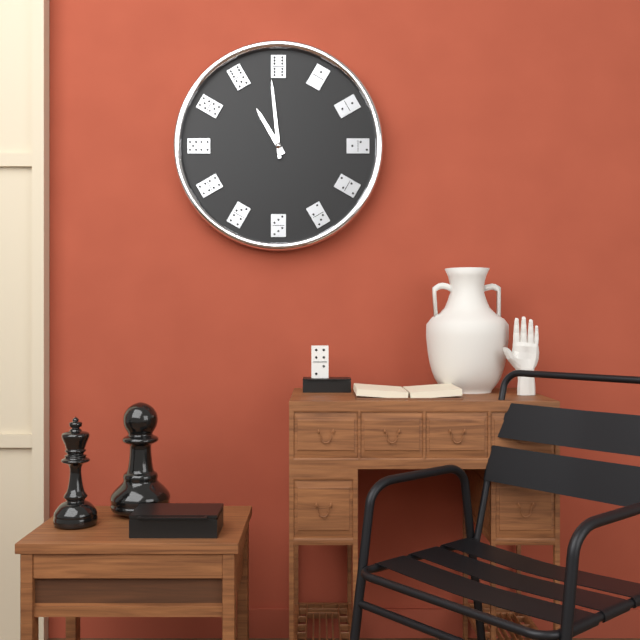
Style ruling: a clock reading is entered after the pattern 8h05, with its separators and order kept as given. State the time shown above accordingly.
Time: 10h59
